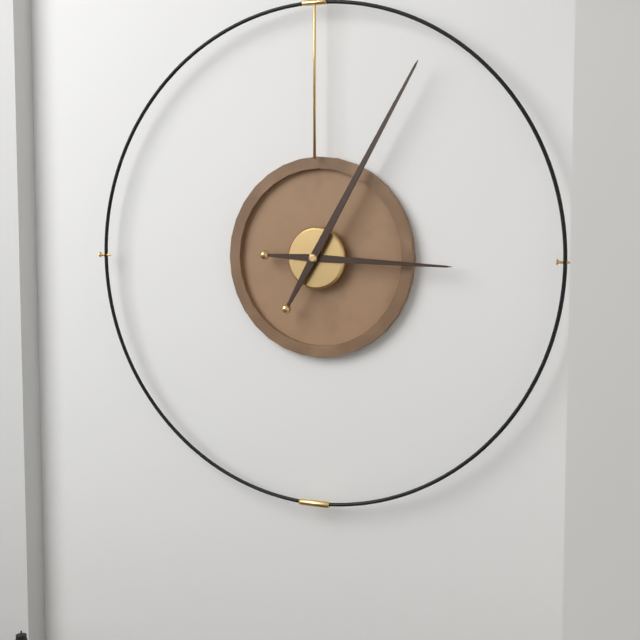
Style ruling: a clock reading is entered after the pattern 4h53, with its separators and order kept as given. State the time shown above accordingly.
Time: 3h05
